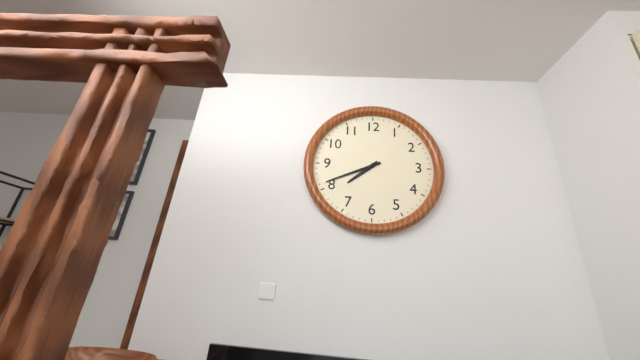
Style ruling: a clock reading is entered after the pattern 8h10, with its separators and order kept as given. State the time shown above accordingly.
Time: 7h41
